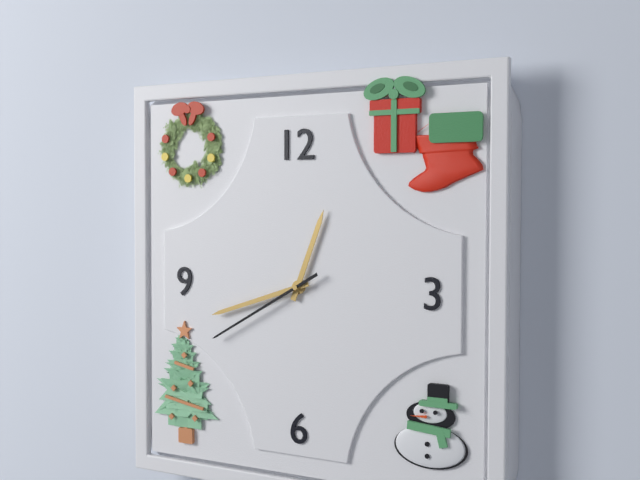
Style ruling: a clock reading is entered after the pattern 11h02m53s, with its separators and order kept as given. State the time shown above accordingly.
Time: 12h42m40s
